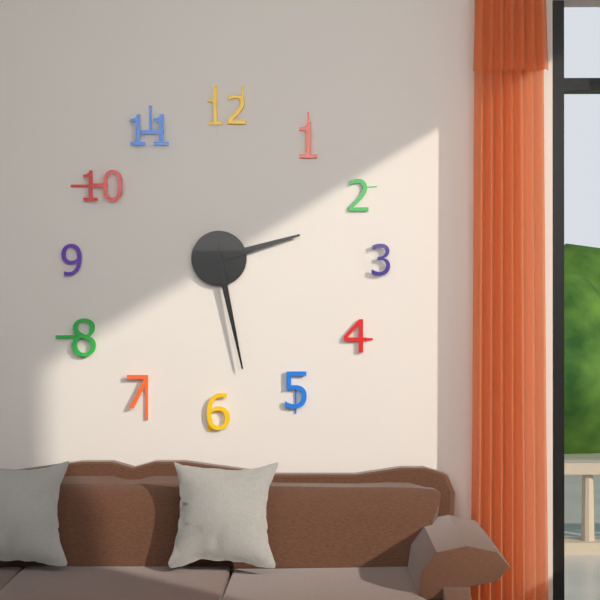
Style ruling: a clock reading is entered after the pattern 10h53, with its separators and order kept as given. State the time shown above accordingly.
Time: 2h28
